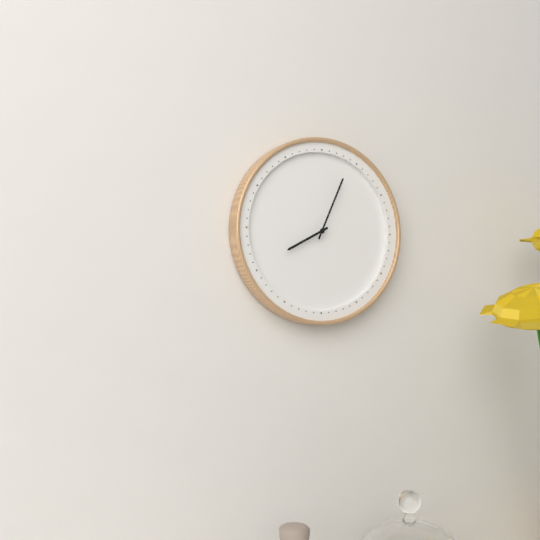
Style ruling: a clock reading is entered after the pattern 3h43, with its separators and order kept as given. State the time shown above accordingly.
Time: 8h04
